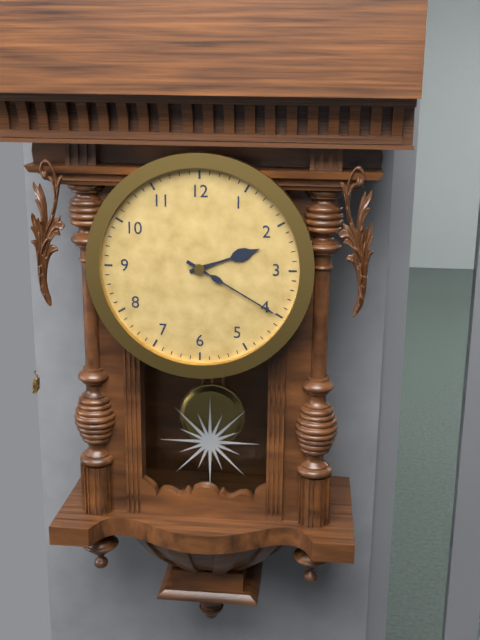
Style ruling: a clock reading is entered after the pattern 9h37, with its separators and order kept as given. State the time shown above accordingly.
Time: 2h20
